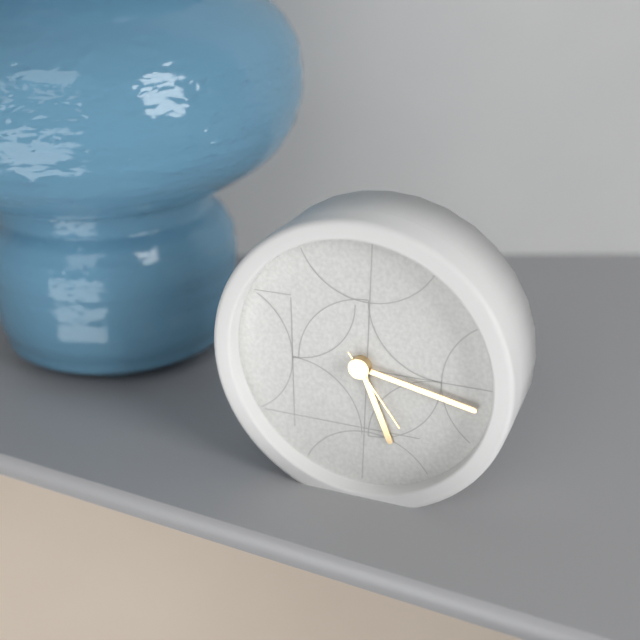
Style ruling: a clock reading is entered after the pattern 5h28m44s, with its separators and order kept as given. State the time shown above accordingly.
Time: 5h17m24s
